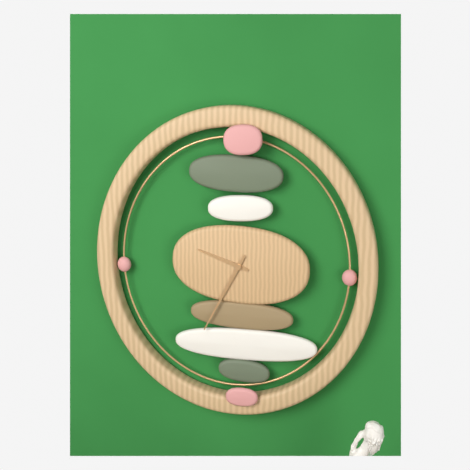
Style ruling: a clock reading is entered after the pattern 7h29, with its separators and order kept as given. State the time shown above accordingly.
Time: 9h35
